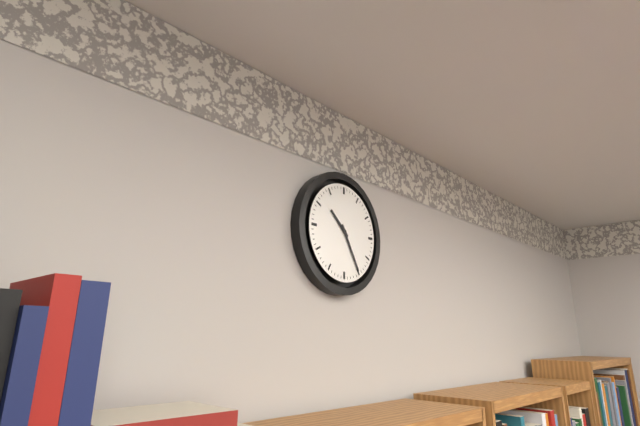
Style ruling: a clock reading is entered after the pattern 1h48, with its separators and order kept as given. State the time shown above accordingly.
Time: 10h25
